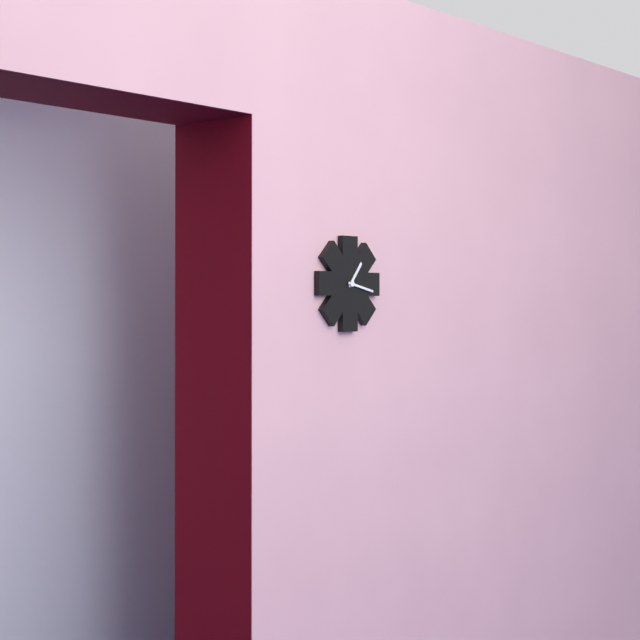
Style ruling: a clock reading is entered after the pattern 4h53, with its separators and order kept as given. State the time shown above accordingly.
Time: 1h17
